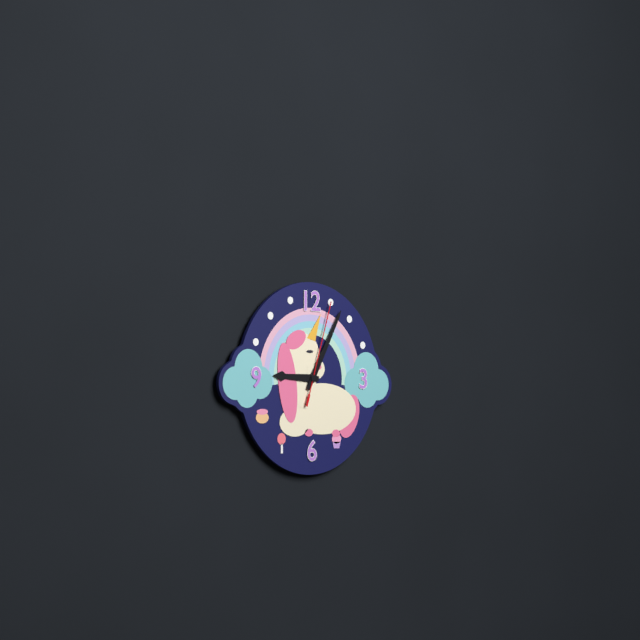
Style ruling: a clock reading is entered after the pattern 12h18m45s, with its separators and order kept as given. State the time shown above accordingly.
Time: 9h05m03s
